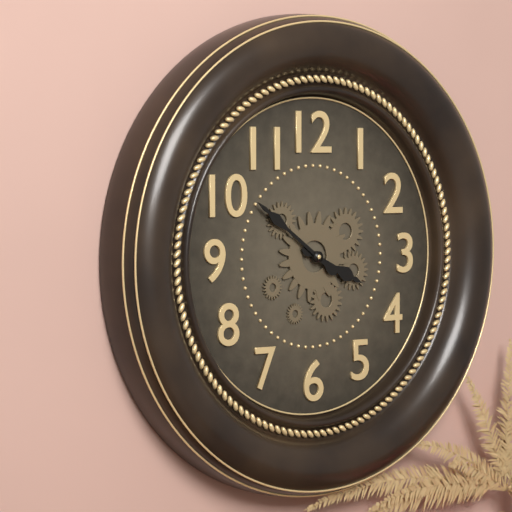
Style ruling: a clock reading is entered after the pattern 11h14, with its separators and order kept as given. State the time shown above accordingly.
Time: 3h51
